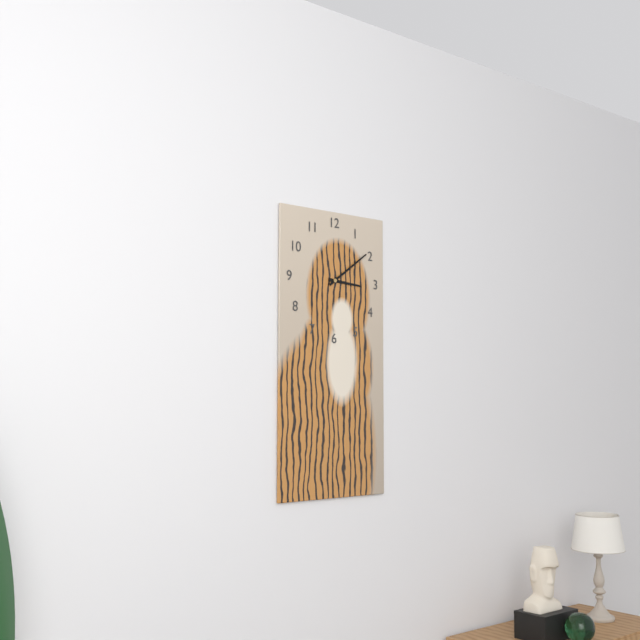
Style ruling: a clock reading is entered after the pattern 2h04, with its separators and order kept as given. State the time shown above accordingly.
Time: 3h09
